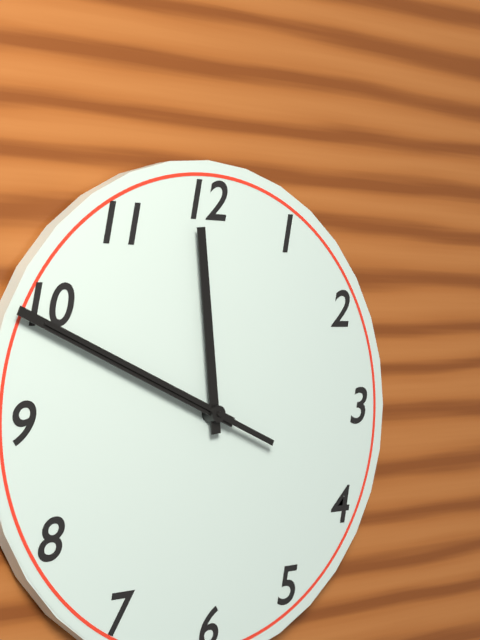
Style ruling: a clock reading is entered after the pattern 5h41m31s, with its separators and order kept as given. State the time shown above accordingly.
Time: 11h49m49s
